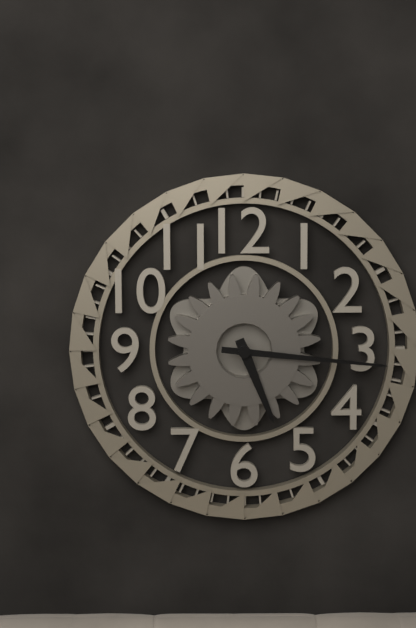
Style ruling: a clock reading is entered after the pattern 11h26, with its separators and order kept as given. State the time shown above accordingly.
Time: 5h16
